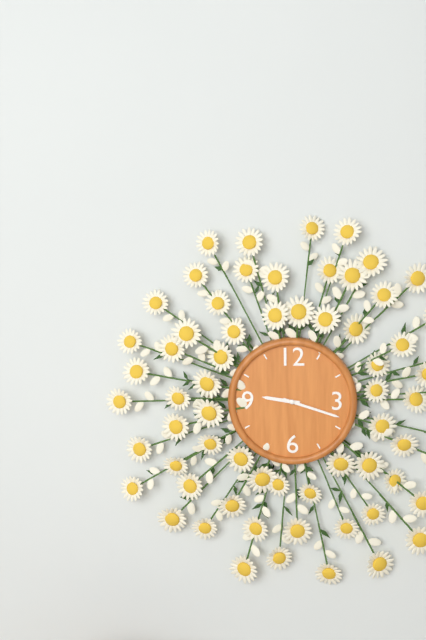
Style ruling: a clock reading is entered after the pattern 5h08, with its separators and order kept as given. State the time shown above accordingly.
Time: 9h18
